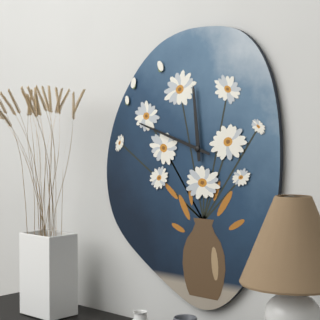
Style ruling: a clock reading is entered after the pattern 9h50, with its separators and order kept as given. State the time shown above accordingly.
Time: 11h48
